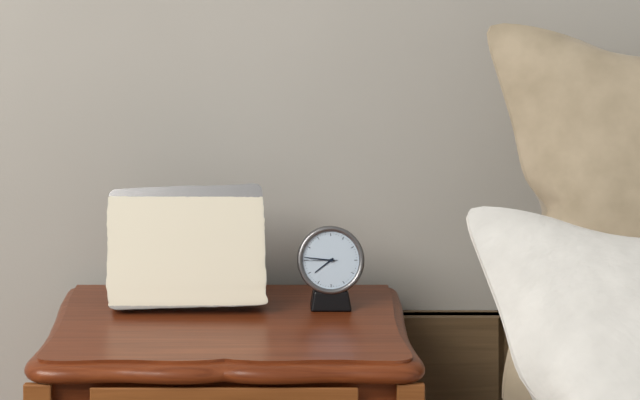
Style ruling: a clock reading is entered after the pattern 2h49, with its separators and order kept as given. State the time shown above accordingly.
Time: 7h46
